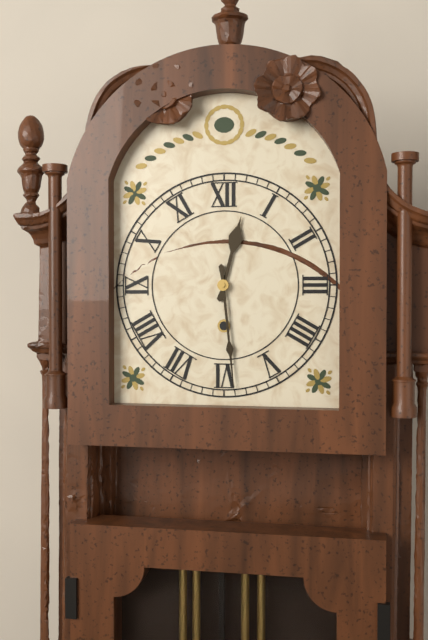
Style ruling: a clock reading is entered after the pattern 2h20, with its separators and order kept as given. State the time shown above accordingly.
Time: 12h29
